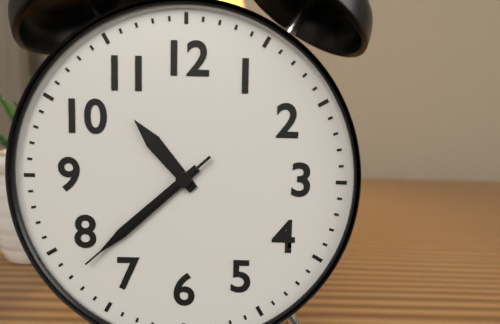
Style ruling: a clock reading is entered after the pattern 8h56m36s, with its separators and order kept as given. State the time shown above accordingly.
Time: 10h38m38s
